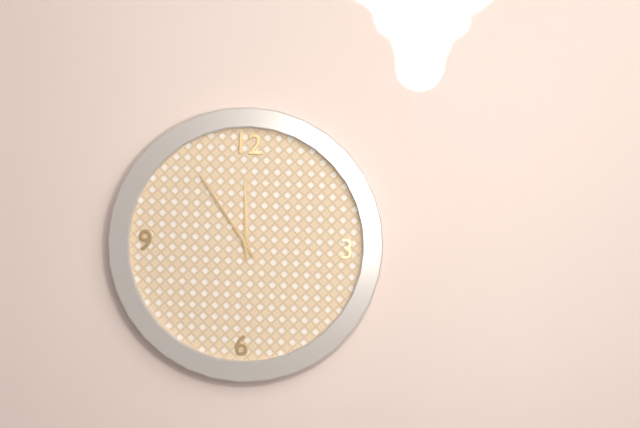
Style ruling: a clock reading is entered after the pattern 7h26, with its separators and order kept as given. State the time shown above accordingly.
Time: 11h54
